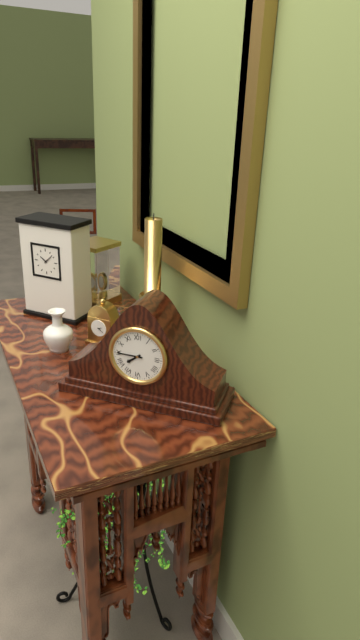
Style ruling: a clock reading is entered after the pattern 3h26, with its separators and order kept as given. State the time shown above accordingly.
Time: 7h45
